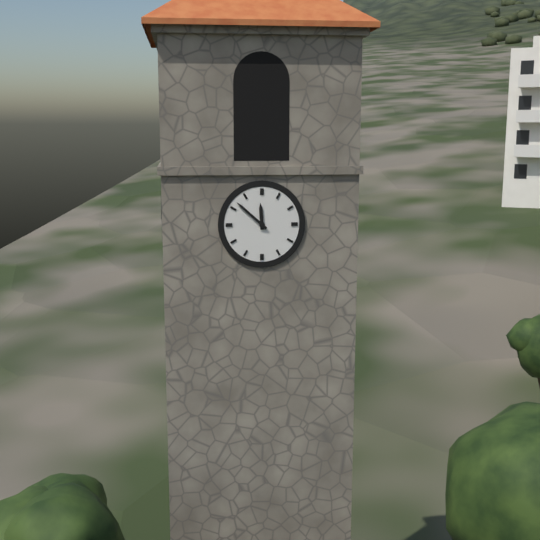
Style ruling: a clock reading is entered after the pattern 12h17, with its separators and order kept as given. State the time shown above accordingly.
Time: 11h52
